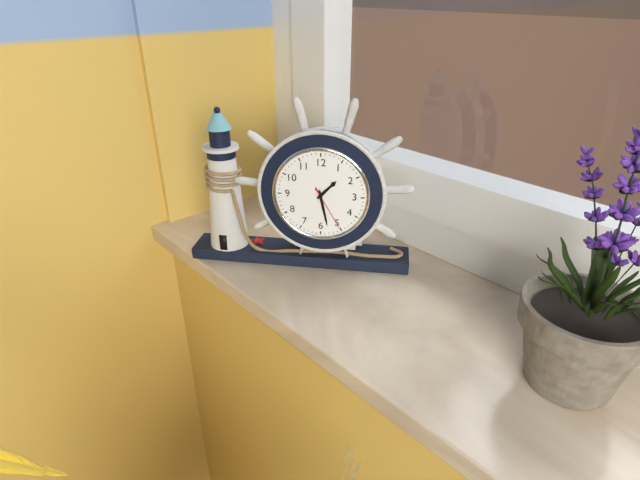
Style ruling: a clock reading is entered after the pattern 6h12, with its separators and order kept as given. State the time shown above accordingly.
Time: 1h28
